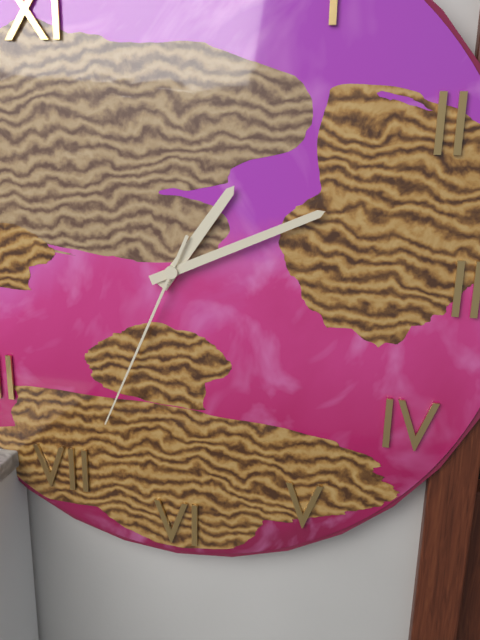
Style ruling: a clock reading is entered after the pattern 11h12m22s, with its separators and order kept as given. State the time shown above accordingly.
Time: 1h11m34s
